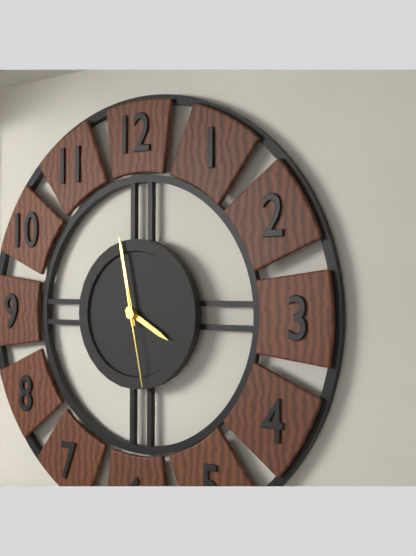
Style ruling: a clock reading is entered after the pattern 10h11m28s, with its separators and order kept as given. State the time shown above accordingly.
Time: 3h58m28s
